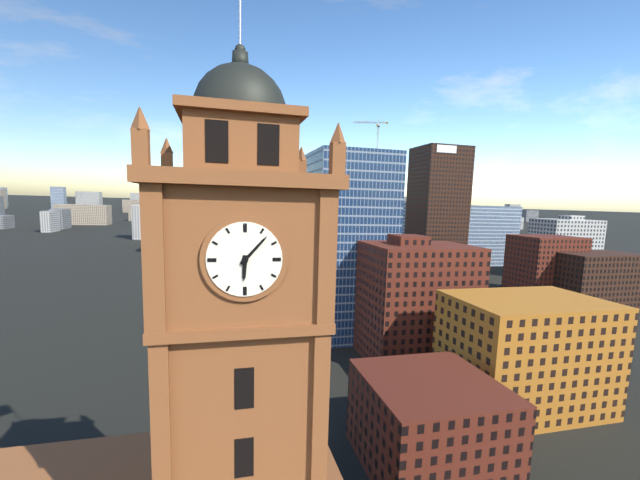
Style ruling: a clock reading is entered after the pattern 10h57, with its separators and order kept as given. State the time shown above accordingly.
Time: 6h07
